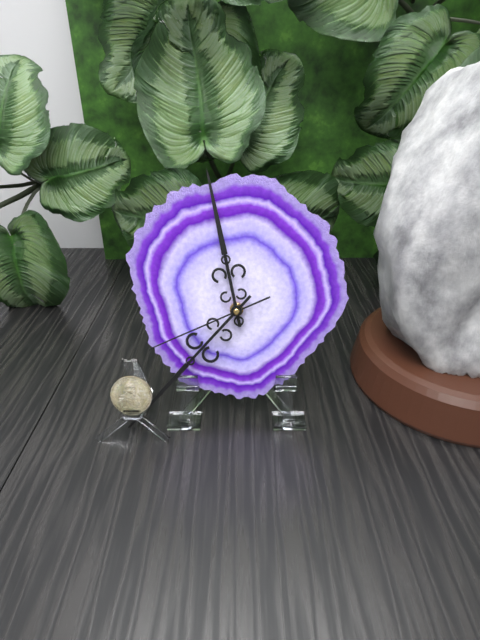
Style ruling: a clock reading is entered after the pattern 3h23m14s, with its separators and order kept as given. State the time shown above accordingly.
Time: 11h37m41s
